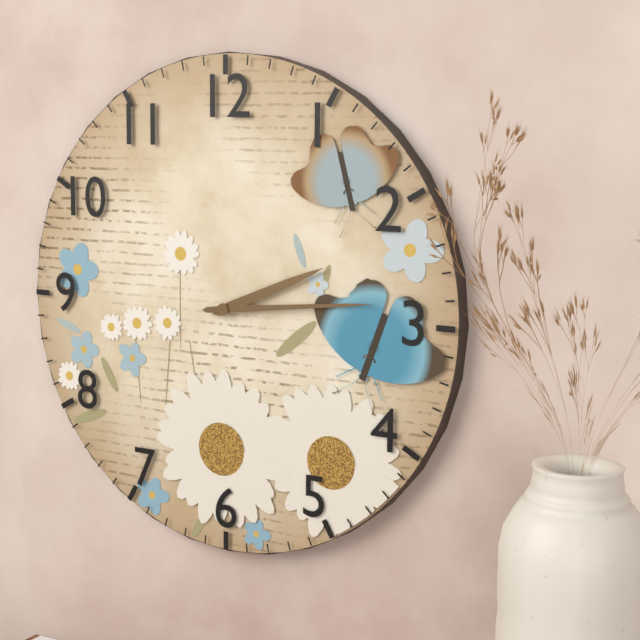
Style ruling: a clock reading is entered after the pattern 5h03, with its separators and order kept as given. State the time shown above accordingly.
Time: 2h14
